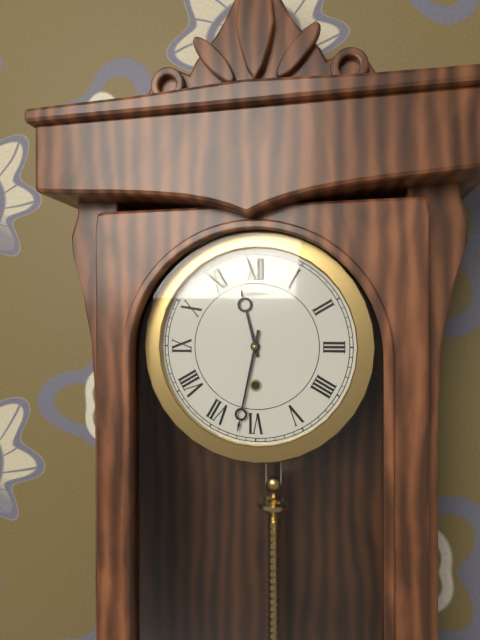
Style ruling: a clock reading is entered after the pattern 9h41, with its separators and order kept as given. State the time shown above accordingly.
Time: 11h32
